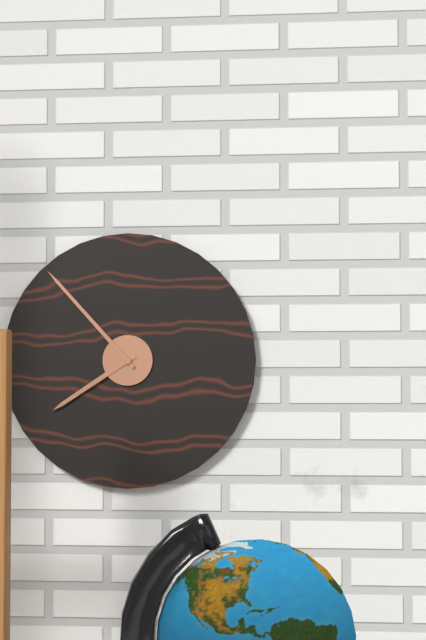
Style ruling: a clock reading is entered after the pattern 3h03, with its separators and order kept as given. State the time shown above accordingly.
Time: 7h53
